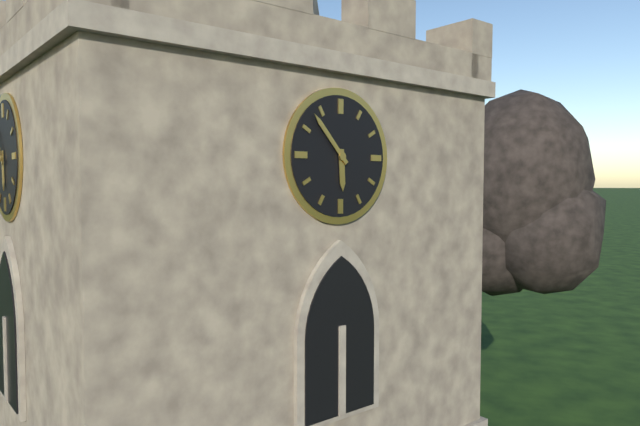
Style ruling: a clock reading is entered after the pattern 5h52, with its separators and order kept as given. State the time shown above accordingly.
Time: 5h53
